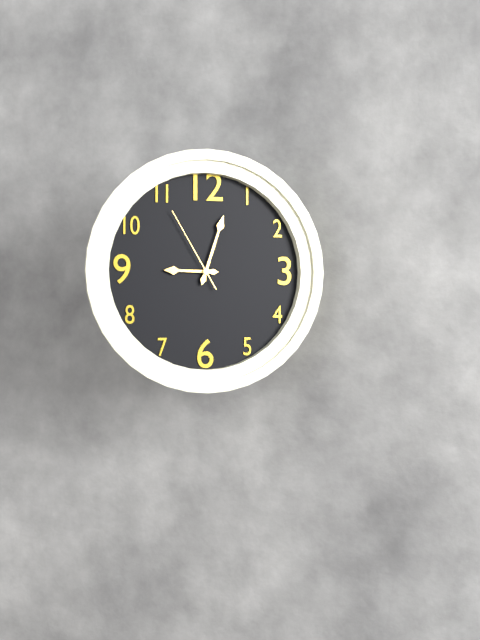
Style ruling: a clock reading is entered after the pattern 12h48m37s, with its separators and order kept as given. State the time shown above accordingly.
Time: 9h03m55s
